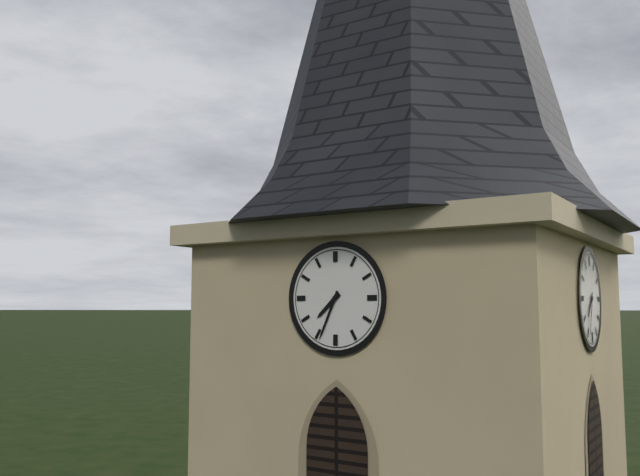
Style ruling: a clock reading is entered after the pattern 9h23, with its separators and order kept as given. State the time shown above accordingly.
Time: 7h34
